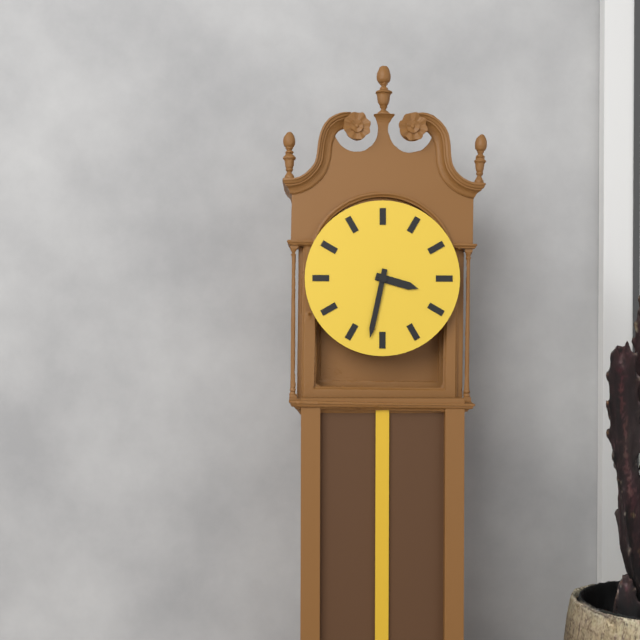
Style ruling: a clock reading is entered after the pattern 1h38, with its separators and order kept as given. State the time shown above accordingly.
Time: 3h32
